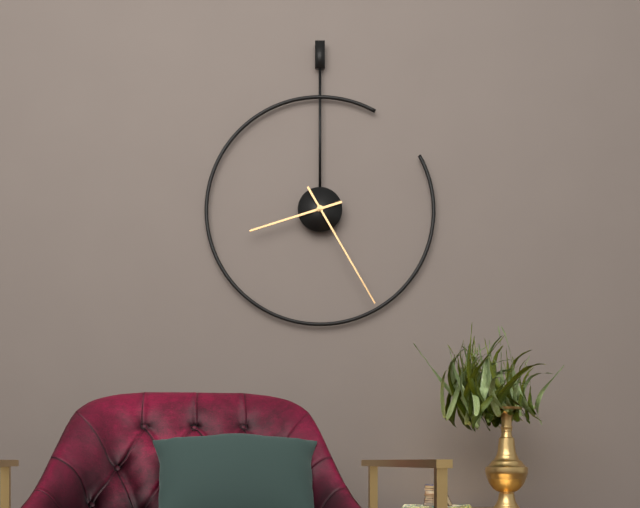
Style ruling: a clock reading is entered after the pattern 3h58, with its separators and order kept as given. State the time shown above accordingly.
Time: 8h25
